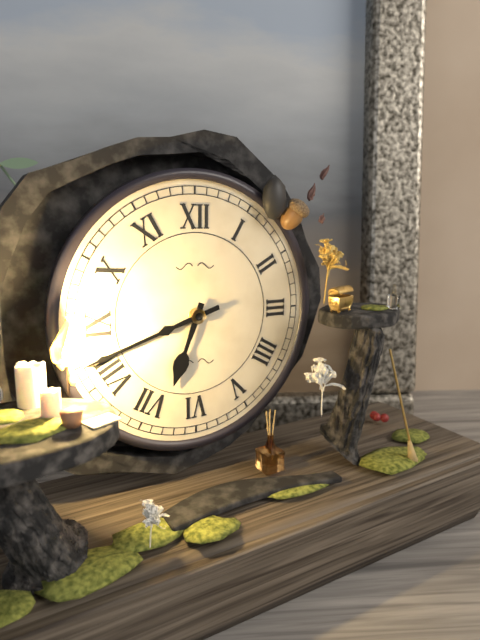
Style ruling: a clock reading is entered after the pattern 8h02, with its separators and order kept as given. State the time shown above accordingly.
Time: 6h42
